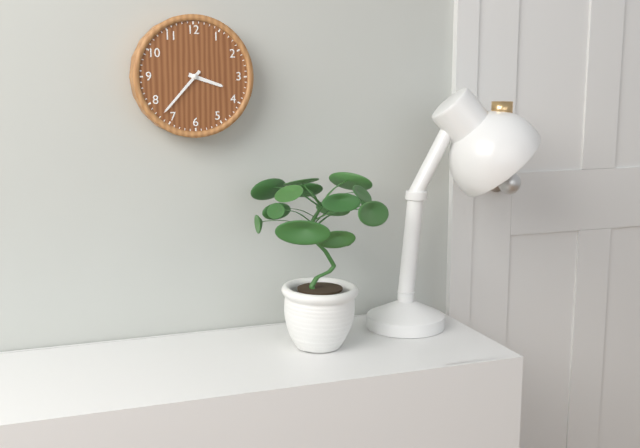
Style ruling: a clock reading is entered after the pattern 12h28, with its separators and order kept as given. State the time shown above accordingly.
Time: 3h37
